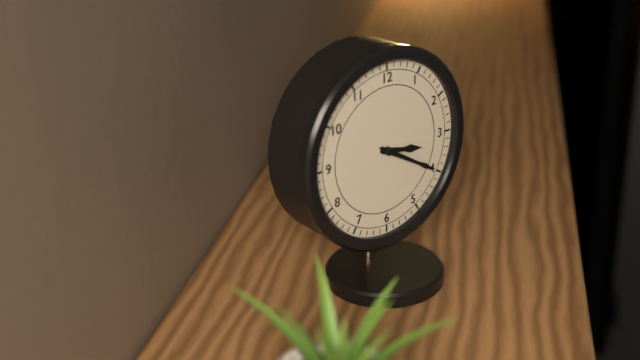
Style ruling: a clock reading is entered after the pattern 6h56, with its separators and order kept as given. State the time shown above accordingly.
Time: 3h20
